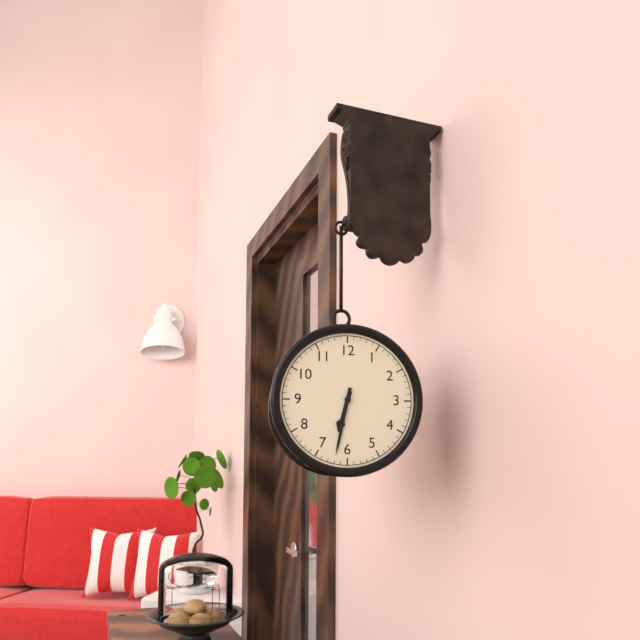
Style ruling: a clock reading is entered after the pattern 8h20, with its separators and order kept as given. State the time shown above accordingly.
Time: 6h32
